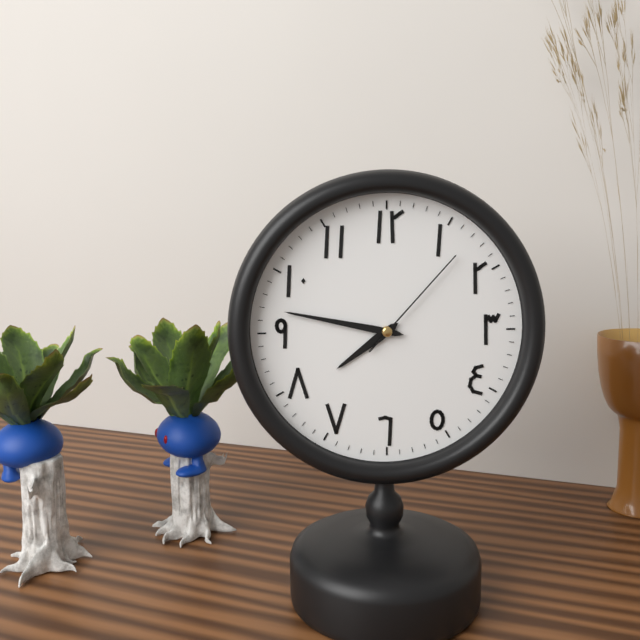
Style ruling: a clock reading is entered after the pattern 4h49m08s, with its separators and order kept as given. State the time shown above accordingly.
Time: 7h47m07s
